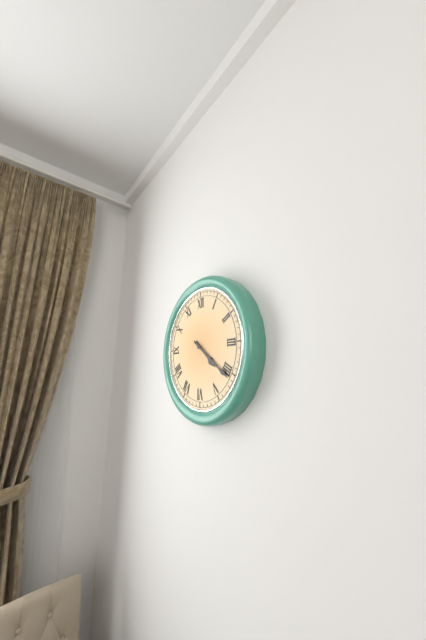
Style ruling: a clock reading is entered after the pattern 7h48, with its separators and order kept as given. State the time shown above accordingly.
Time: 4h21
